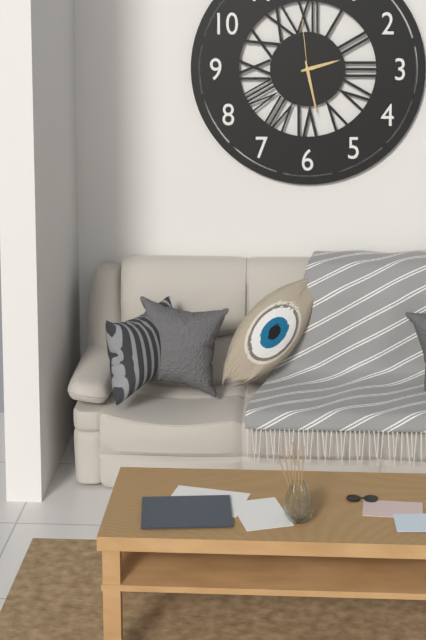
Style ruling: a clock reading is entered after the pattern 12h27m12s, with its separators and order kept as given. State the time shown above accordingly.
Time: 2h28m59s
